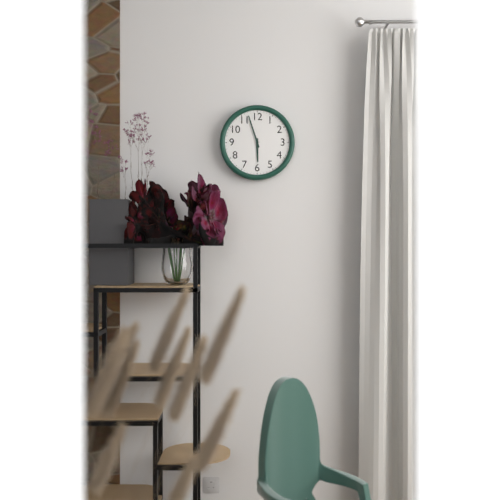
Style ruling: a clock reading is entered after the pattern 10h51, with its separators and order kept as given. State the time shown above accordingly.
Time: 5h57
